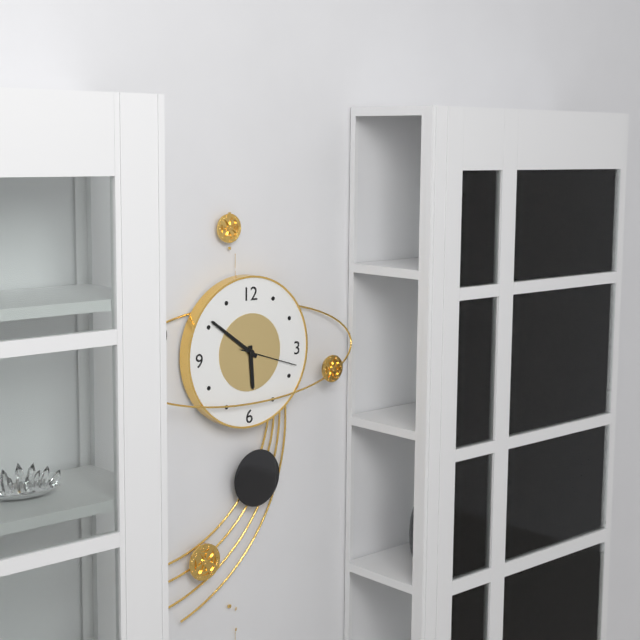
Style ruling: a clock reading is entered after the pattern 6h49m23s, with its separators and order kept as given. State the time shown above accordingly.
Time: 5h51m18s
